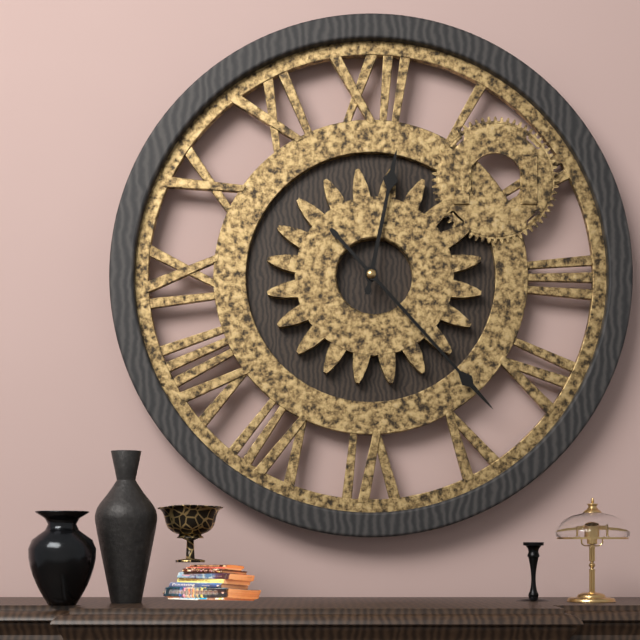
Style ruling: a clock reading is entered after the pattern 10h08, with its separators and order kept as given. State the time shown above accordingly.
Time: 12h23
